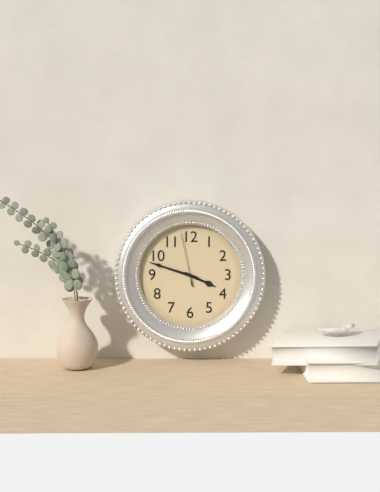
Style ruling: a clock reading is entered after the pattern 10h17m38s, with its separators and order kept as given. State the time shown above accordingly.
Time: 3h48m58s
